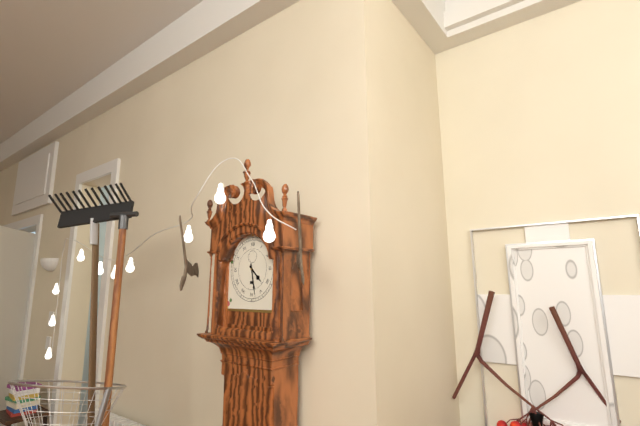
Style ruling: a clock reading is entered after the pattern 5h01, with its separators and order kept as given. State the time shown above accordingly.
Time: 4h28
